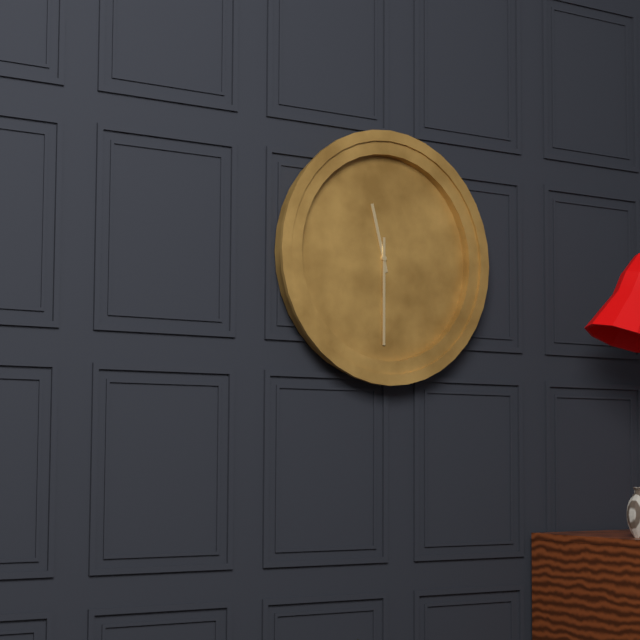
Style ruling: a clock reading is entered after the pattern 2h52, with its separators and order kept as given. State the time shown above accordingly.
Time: 11h30
